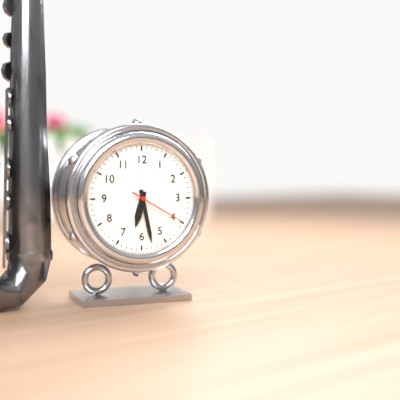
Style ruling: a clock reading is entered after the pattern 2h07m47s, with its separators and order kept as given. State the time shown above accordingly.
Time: 6h28m20s
